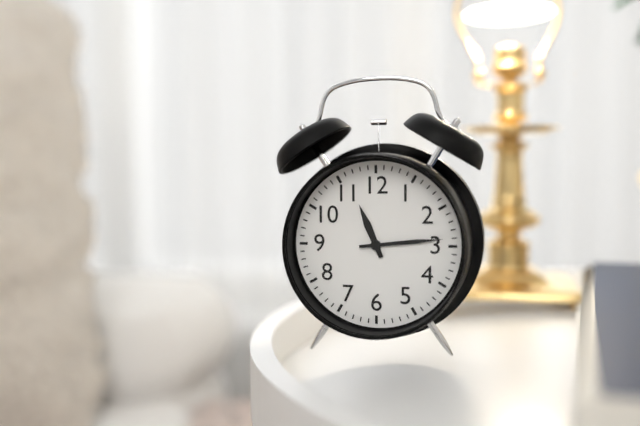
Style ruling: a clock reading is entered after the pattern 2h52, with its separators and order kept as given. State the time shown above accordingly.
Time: 11h14
